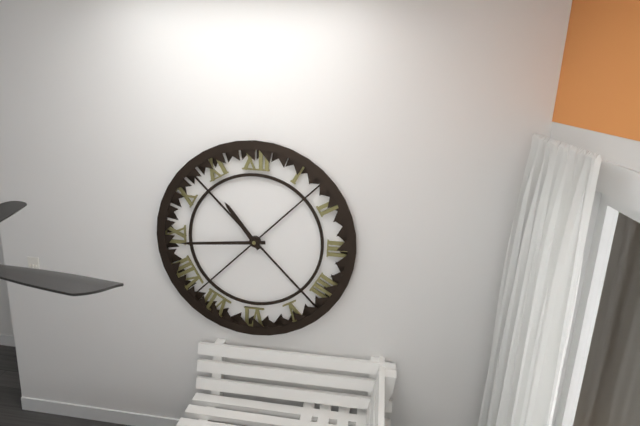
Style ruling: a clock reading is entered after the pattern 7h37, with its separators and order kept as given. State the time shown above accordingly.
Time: 10h44
